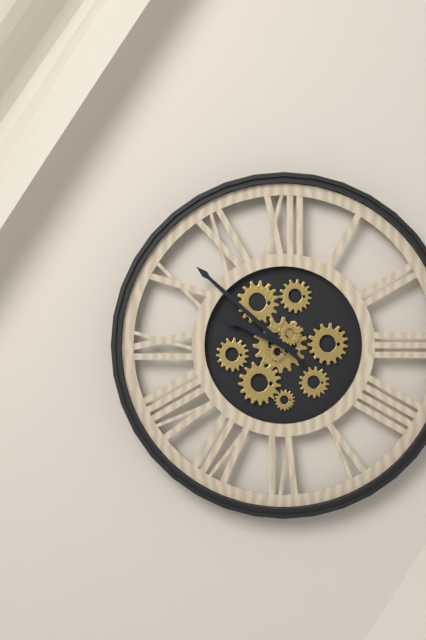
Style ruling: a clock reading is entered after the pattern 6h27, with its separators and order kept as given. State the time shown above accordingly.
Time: 9h52
